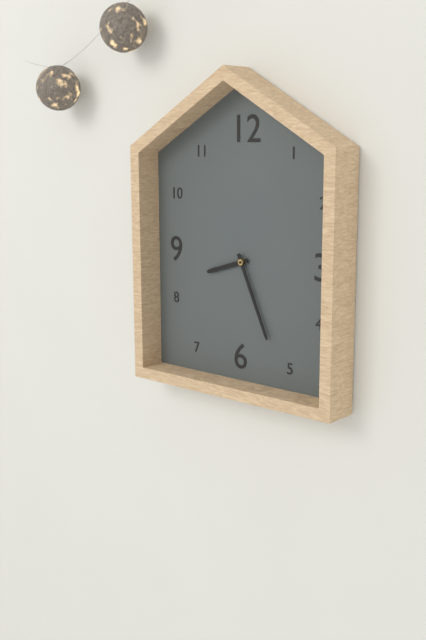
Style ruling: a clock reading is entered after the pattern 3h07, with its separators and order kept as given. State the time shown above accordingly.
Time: 8h26
